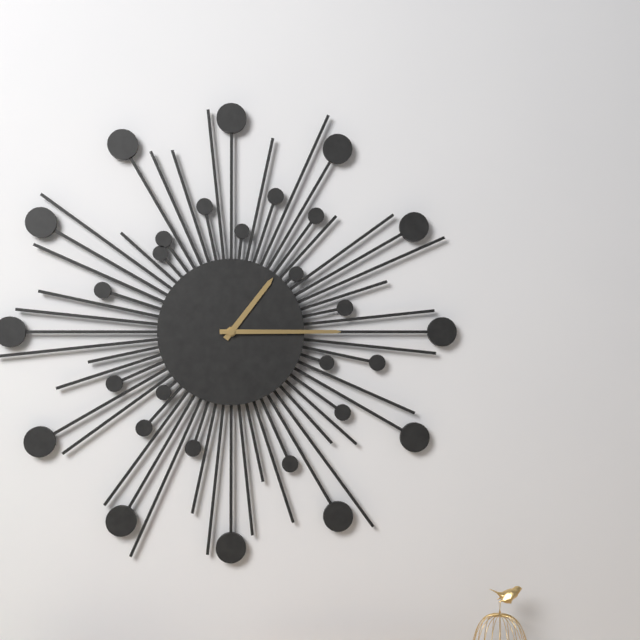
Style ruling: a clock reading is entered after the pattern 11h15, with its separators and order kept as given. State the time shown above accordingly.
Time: 1h15
